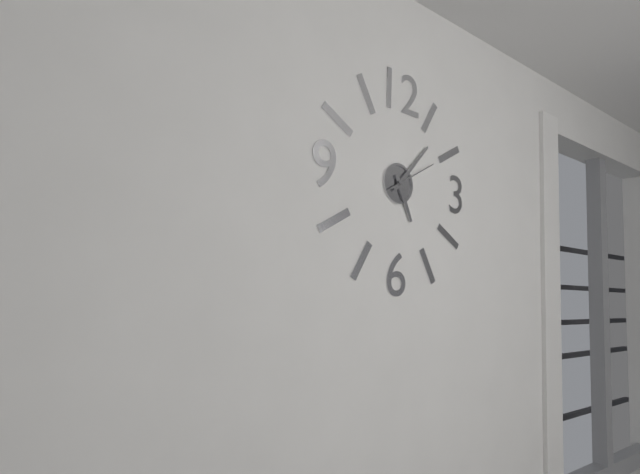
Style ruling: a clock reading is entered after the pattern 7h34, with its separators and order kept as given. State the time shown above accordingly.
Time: 5h07
